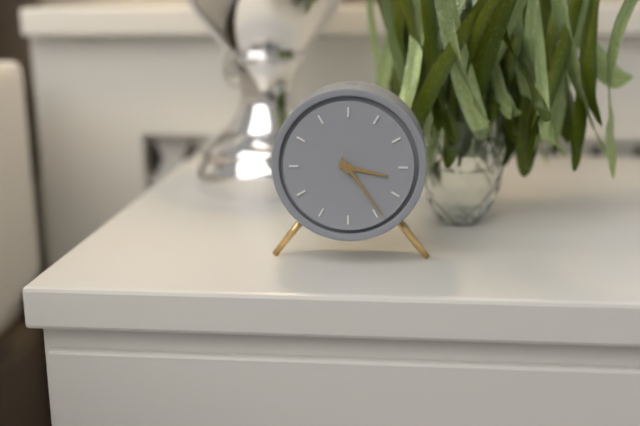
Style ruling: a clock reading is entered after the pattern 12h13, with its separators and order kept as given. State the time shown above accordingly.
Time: 3h24
